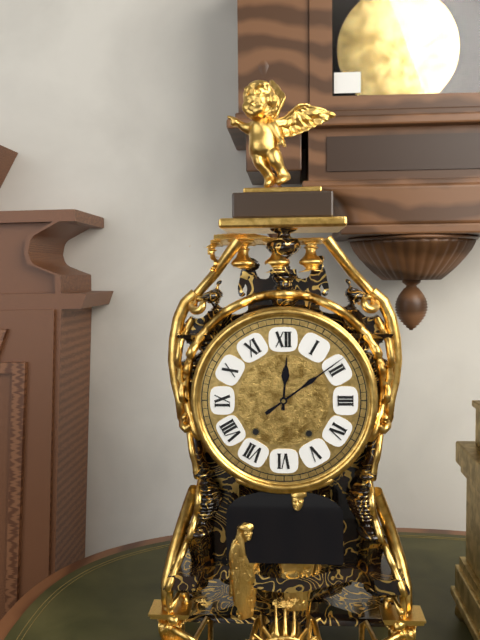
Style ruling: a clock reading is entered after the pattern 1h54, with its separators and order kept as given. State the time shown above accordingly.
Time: 12h09
